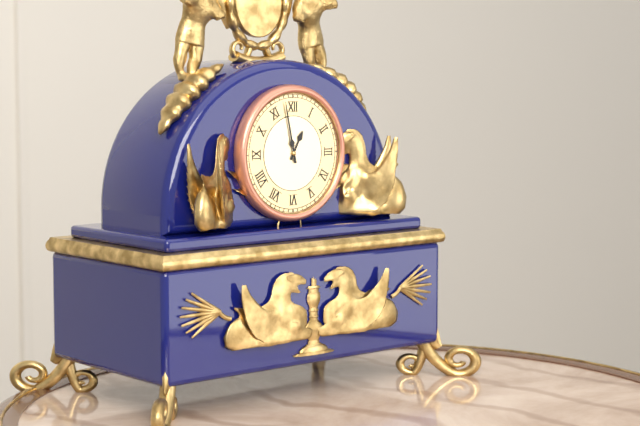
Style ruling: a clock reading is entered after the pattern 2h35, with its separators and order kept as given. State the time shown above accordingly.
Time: 12h58
